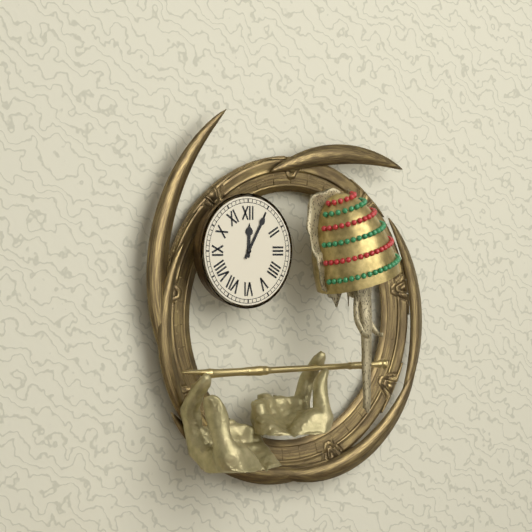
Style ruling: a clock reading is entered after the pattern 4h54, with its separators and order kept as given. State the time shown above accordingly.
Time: 12h05
